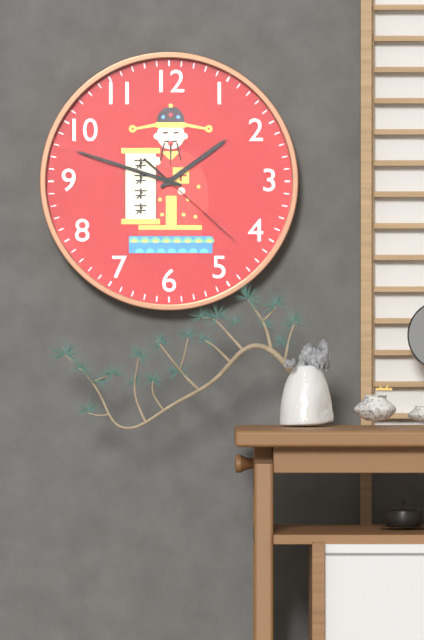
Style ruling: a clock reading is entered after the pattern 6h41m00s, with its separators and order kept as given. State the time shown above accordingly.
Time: 1h48m22s
